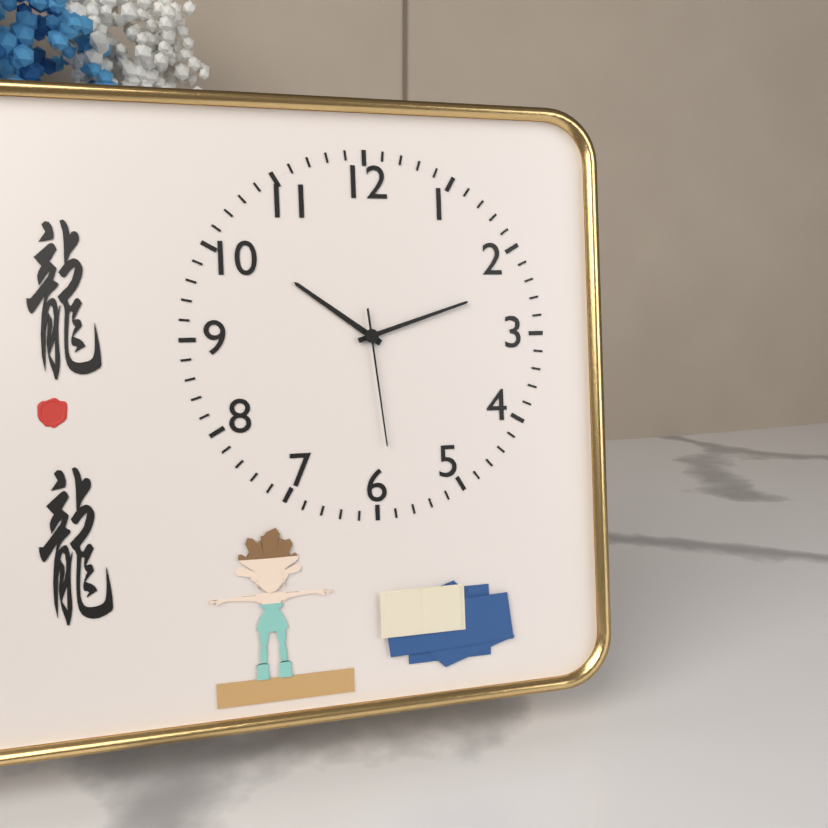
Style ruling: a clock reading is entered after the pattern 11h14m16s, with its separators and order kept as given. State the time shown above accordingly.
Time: 10h12m29s
